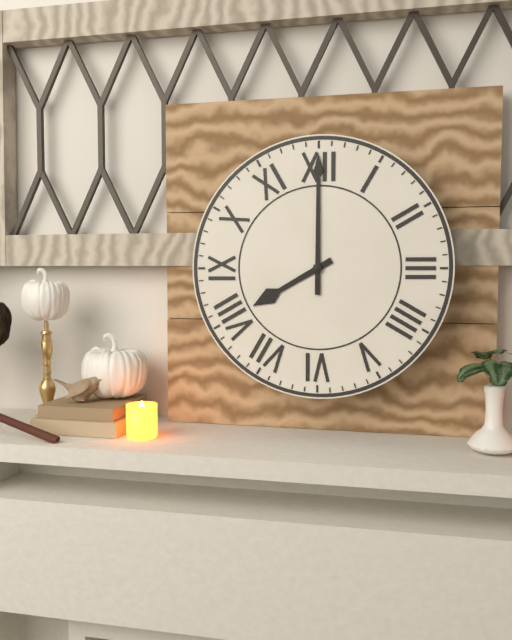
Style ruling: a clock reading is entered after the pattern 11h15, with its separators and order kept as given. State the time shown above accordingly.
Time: 8h00
